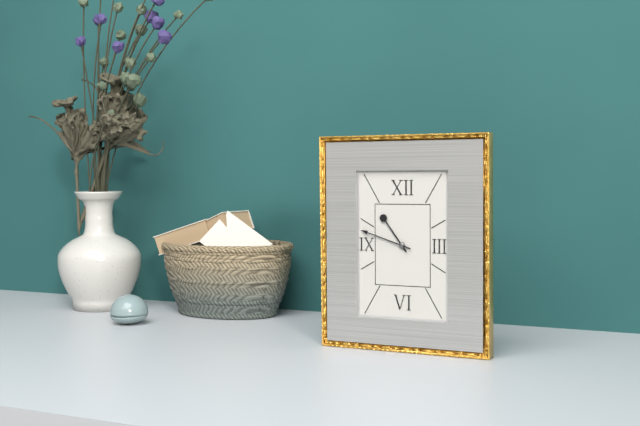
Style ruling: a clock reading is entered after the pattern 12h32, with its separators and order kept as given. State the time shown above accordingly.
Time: 10h48
